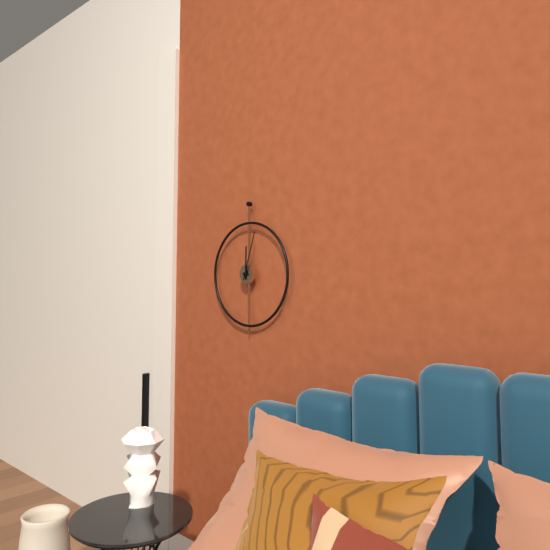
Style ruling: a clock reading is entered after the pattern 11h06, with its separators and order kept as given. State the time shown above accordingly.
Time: 12h03
